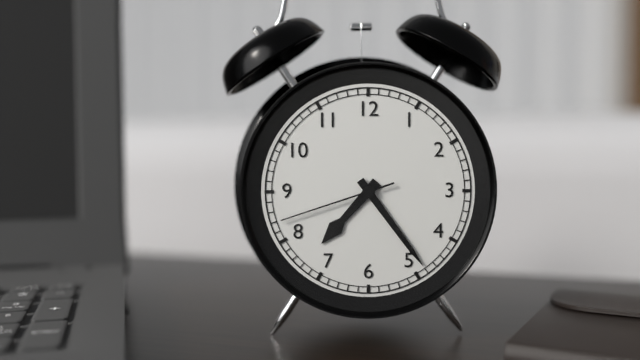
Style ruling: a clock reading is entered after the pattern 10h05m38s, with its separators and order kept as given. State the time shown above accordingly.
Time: 7h24m42s
